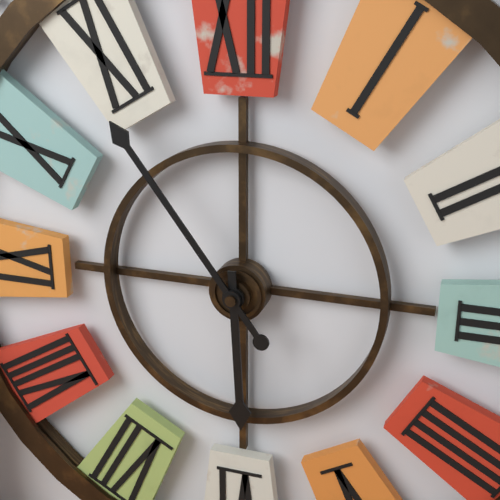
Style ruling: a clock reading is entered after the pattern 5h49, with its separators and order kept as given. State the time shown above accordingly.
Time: 5h54
